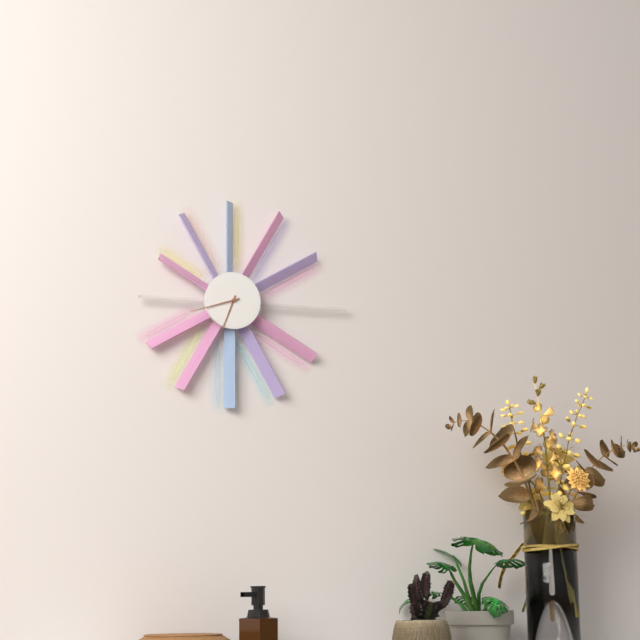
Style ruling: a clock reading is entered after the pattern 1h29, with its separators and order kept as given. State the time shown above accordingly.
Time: 6h42
